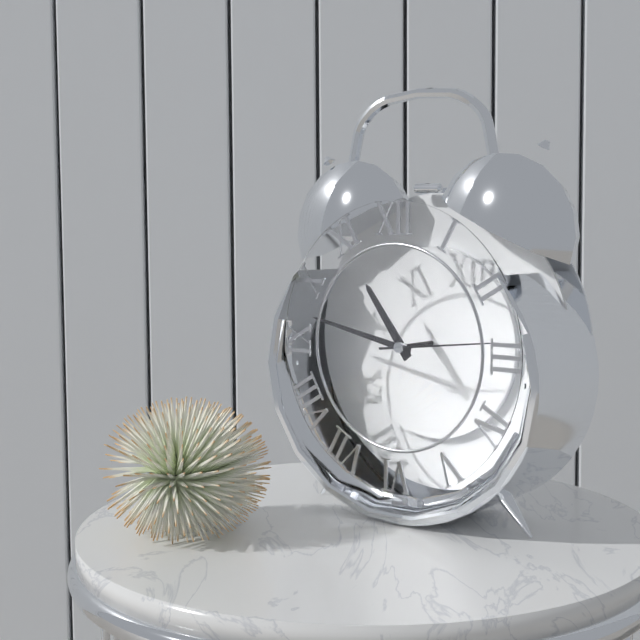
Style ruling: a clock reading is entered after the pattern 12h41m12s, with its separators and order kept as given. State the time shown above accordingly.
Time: 10h47m14s
